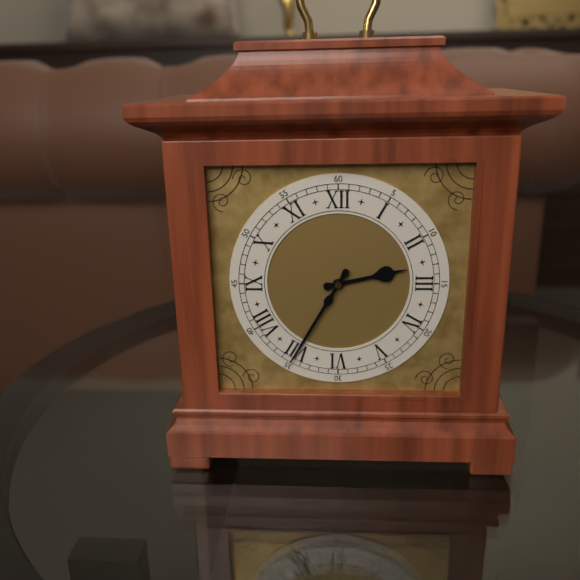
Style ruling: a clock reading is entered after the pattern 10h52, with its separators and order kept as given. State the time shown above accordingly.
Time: 2h35
